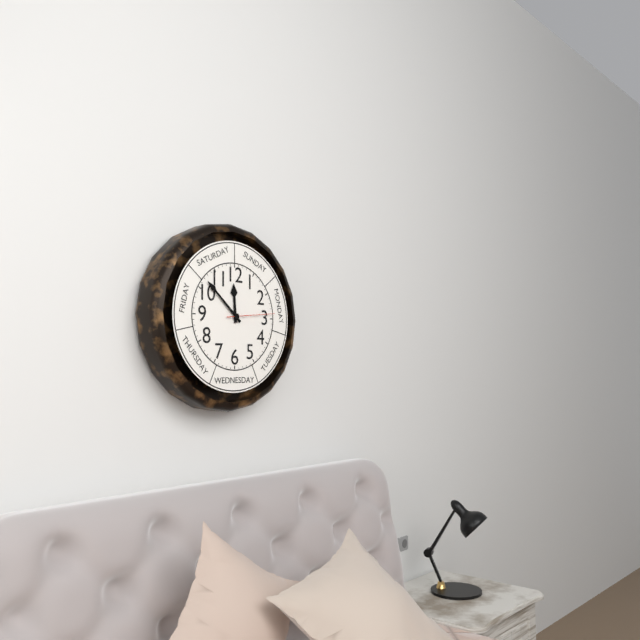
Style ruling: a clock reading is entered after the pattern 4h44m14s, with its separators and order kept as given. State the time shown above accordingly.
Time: 11h52m14s
